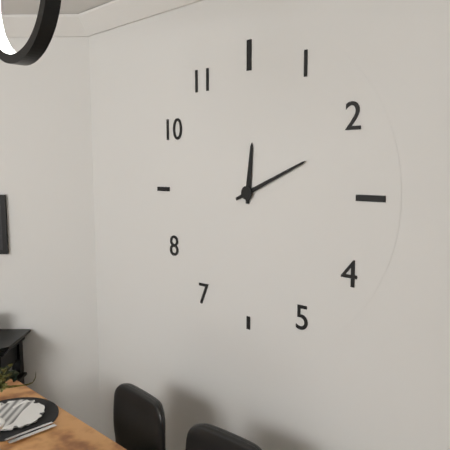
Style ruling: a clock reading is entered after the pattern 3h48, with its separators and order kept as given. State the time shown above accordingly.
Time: 12h11
